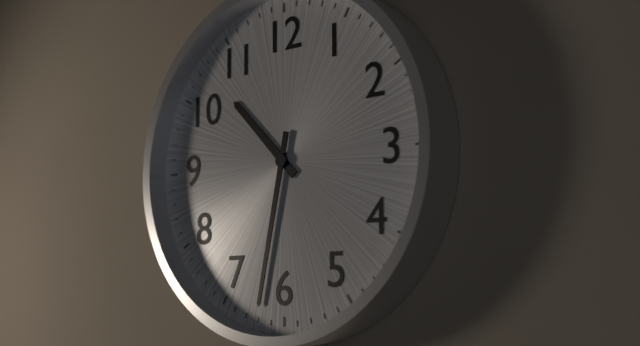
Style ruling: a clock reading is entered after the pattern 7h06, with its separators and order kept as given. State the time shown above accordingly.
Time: 10h32
